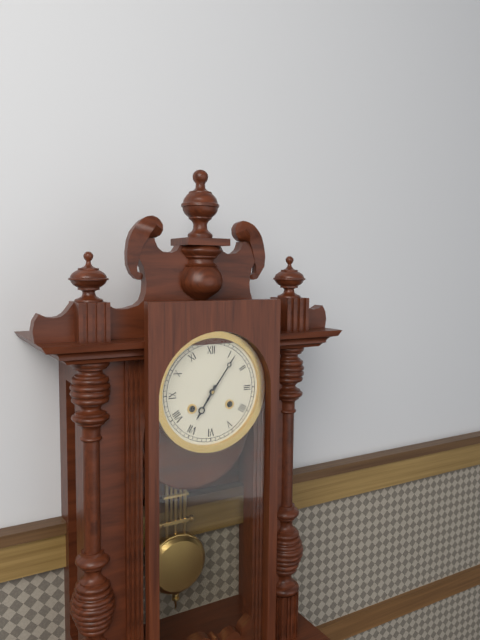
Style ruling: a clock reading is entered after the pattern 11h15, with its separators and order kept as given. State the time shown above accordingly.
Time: 7h06
